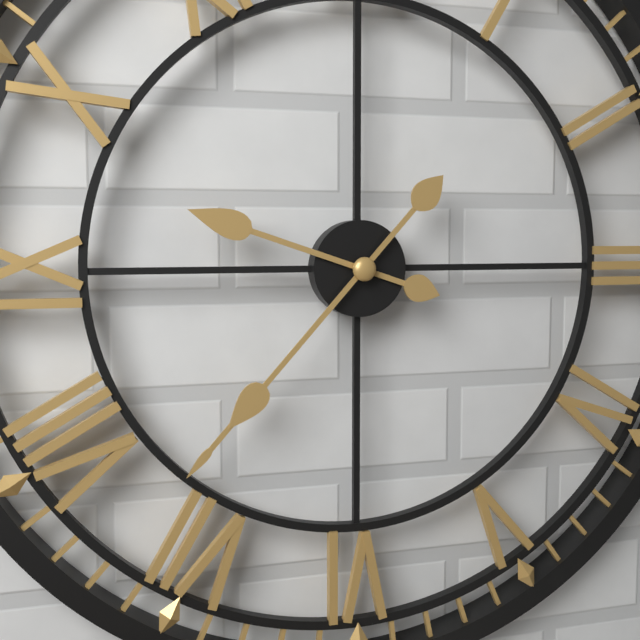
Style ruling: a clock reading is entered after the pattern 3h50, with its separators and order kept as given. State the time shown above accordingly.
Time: 9h37
